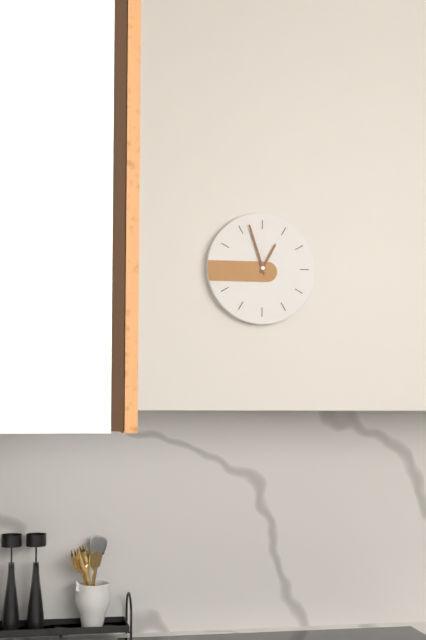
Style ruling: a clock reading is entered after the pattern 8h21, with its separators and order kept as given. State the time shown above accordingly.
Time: 12h57
